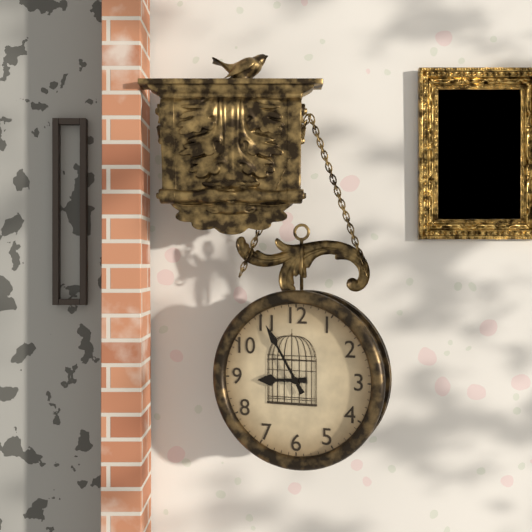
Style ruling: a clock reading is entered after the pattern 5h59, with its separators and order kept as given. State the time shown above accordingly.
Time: 8h55
